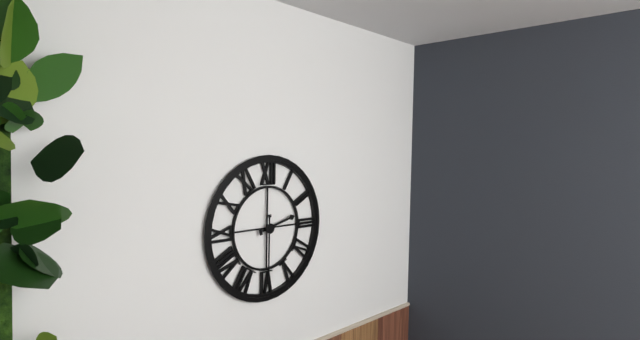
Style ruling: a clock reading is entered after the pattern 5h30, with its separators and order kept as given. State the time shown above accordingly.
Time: 2h30
